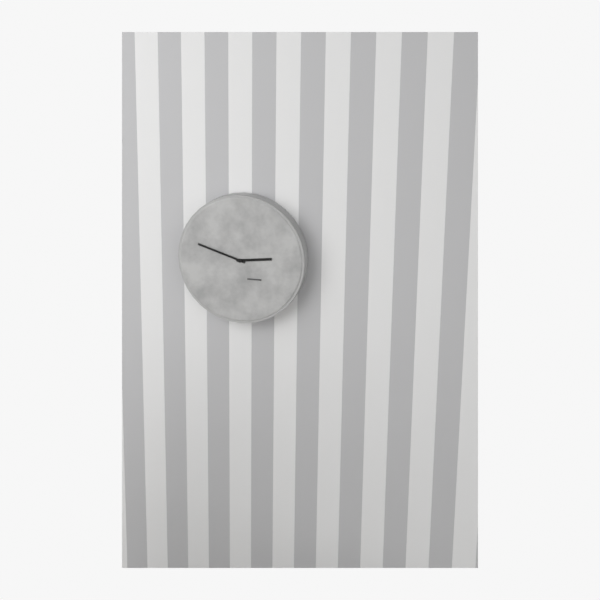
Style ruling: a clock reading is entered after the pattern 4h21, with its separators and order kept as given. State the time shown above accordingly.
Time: 2h48
